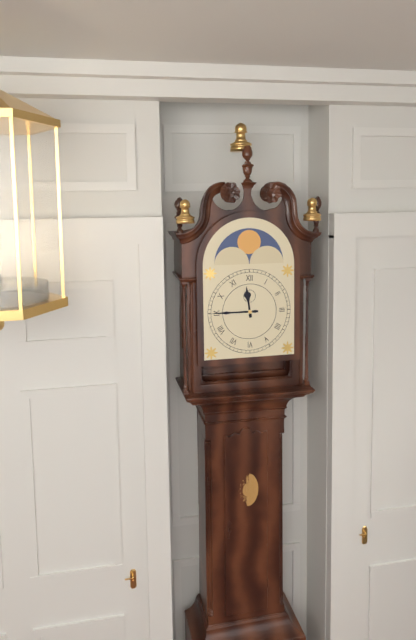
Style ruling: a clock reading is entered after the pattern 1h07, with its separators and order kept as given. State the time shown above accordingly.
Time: 11h45
